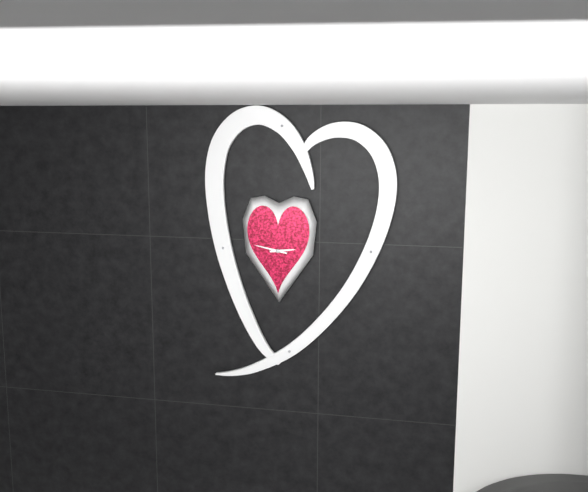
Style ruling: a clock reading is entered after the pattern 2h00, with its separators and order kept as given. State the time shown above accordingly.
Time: 2h47
